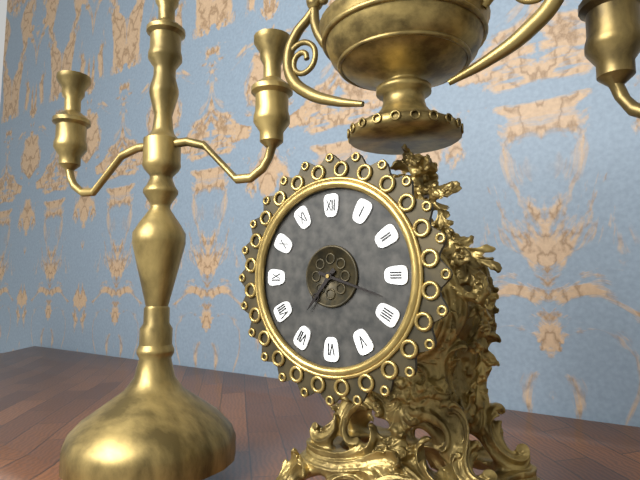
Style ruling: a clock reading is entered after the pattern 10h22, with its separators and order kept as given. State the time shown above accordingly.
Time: 7h18
